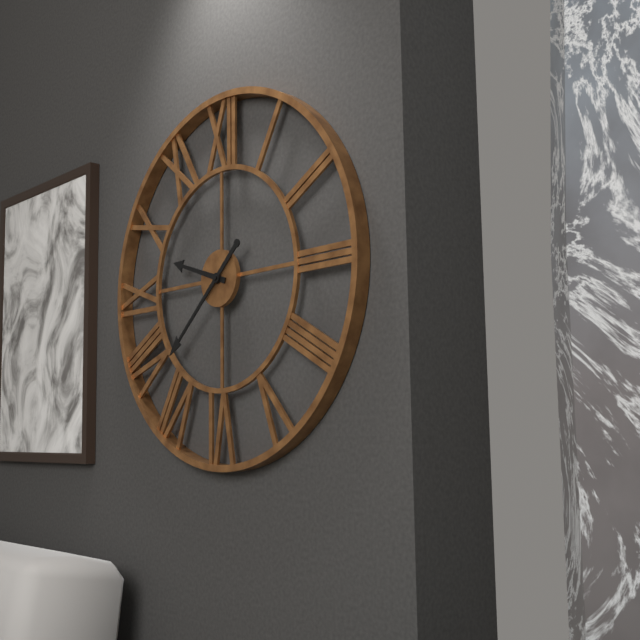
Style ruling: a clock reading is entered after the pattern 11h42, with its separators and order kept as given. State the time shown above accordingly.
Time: 9h38
